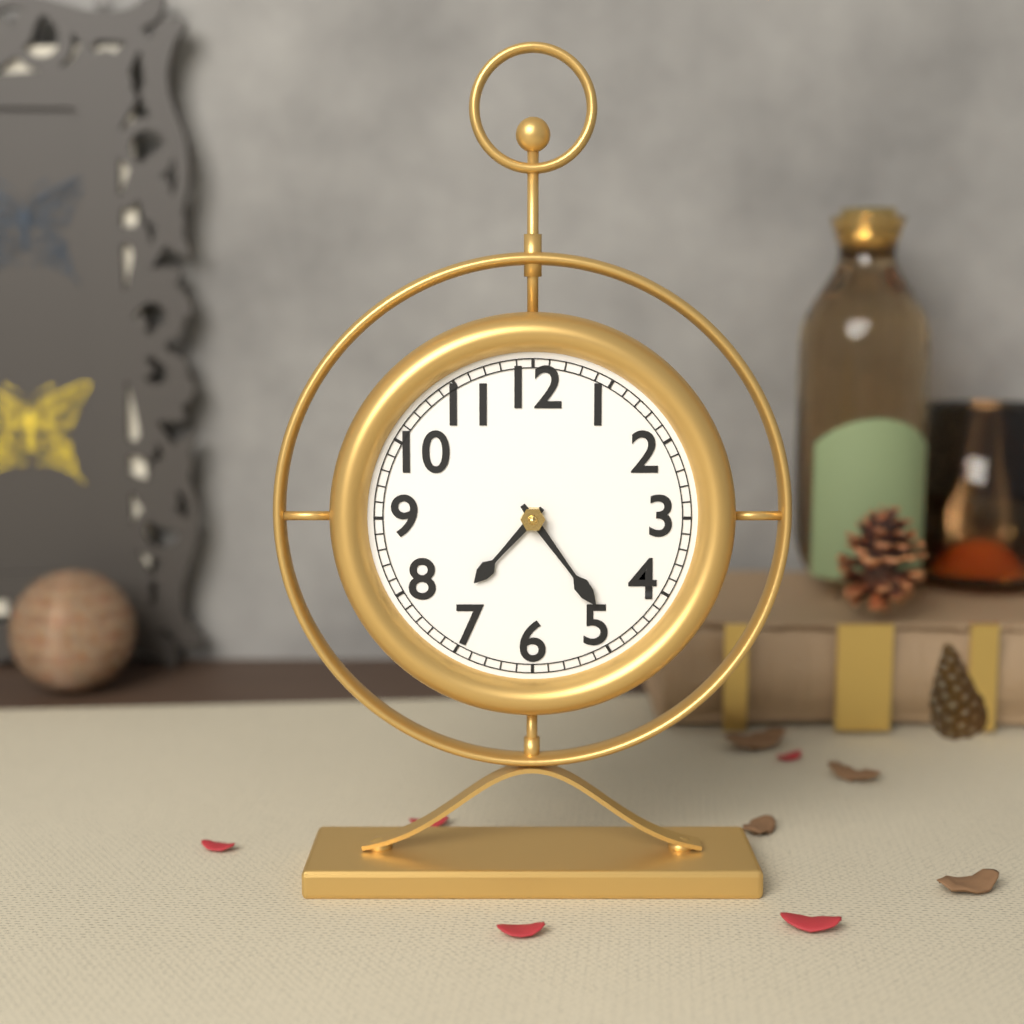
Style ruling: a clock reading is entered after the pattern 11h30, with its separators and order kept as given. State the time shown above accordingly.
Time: 7h24
